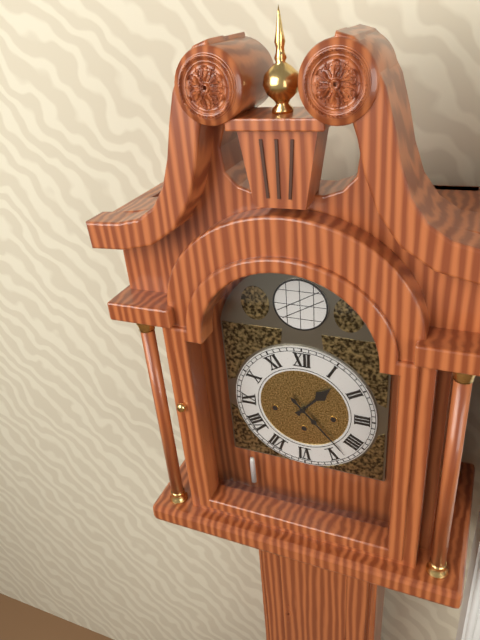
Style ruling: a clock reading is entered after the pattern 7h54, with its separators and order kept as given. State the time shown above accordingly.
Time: 1h23
